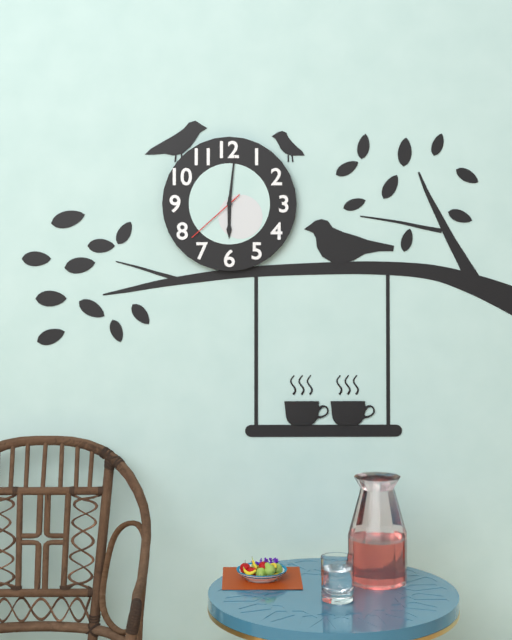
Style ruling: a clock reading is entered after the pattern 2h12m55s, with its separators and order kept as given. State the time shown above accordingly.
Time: 6h01m38s
